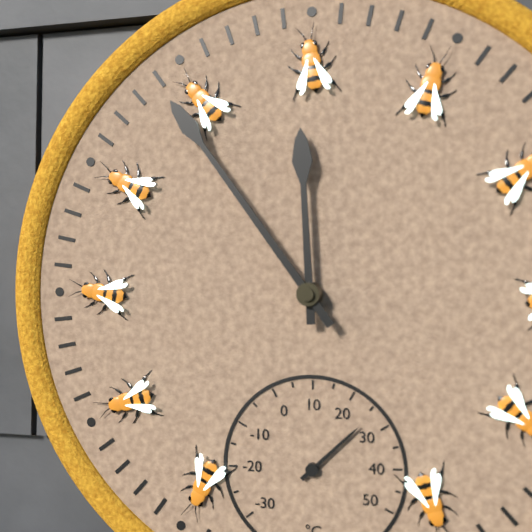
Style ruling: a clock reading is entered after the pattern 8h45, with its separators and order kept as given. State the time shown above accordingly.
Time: 11h54
